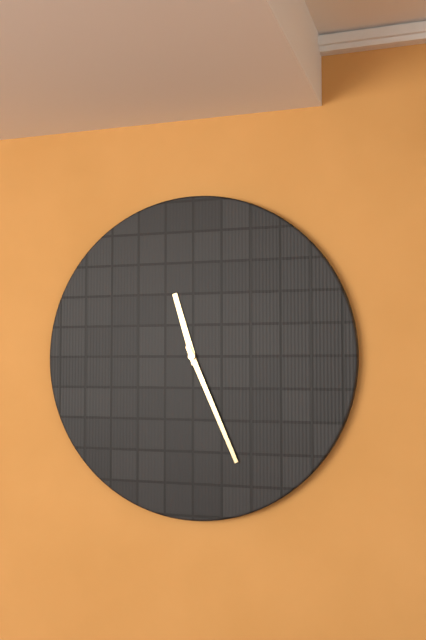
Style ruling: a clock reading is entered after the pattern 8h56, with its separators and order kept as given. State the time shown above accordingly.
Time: 11h26
